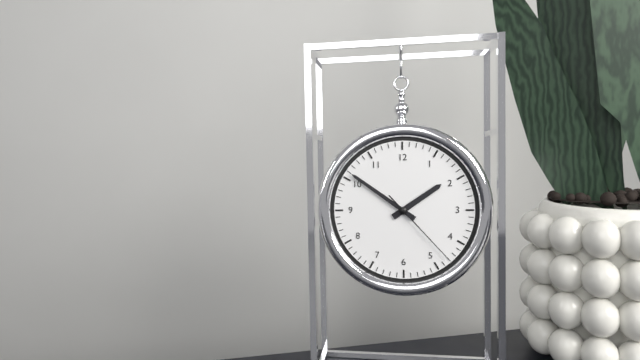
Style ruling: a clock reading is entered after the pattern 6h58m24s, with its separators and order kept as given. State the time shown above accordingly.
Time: 1h51m23s
